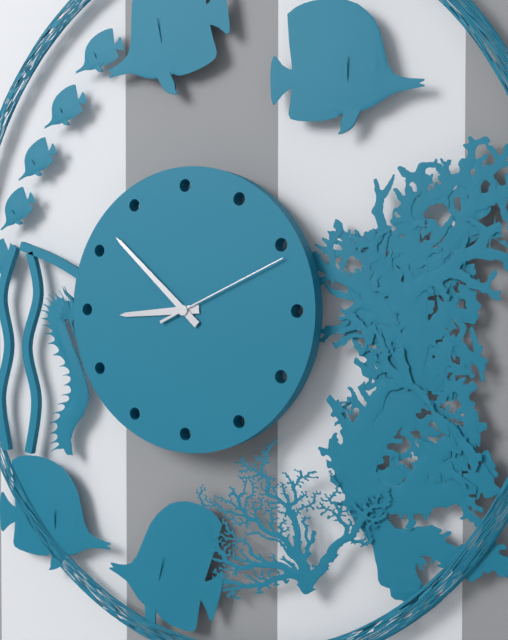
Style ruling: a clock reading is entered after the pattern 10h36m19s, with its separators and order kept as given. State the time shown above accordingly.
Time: 8h52m11s
